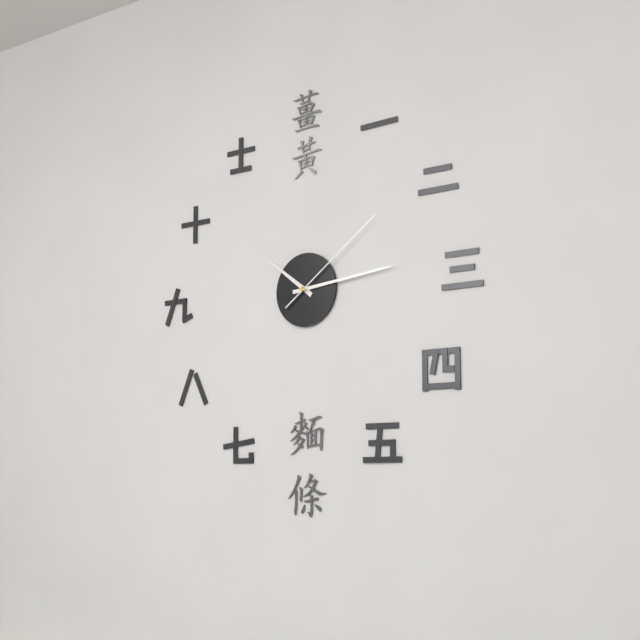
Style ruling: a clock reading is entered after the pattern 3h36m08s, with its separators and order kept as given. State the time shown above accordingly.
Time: 10h14m09s
